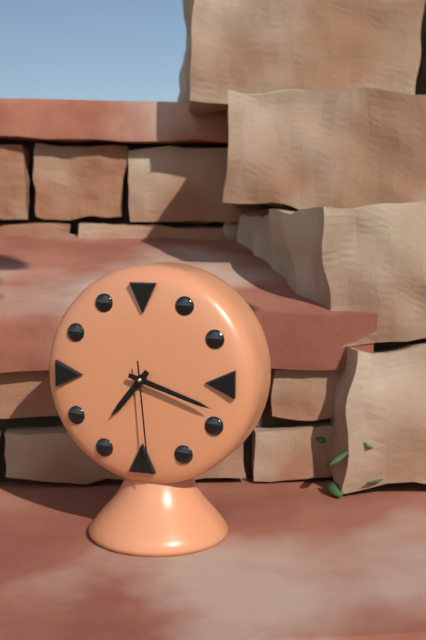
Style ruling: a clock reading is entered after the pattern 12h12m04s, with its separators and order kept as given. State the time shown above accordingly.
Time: 7h18m29s
